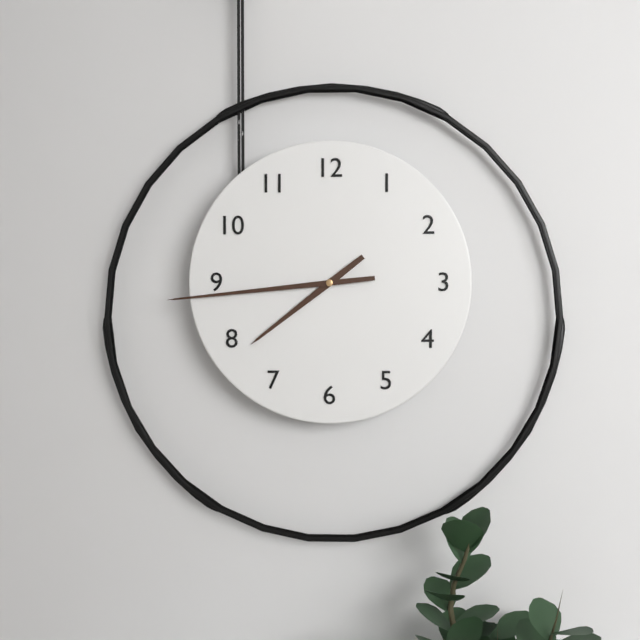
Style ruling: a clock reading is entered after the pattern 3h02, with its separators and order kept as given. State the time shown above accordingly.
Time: 7h44
